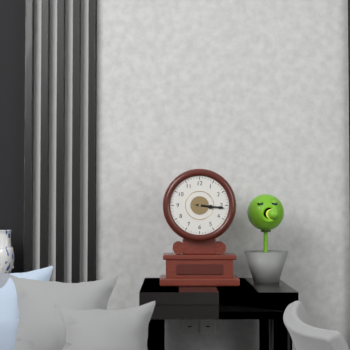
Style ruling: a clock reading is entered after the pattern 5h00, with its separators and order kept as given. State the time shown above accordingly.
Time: 3h16
